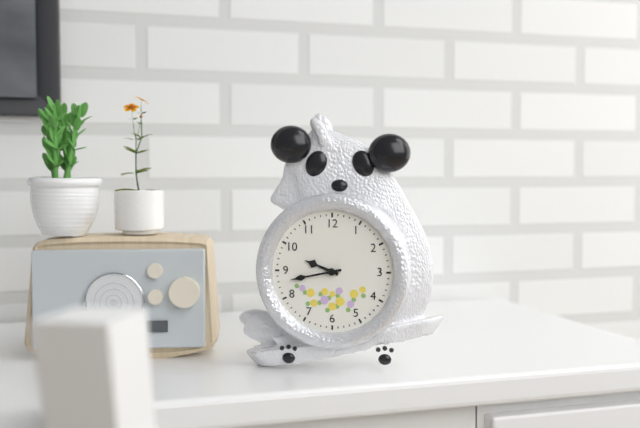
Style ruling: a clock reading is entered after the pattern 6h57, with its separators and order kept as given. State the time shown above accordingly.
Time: 9h43
